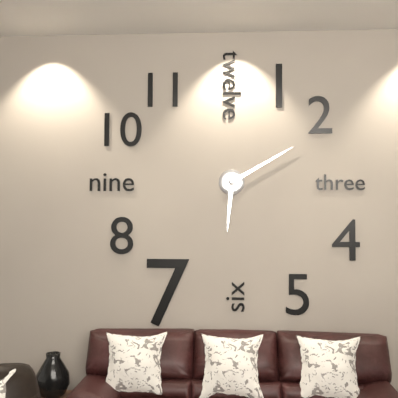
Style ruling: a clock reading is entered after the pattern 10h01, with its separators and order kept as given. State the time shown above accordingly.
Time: 6h10
